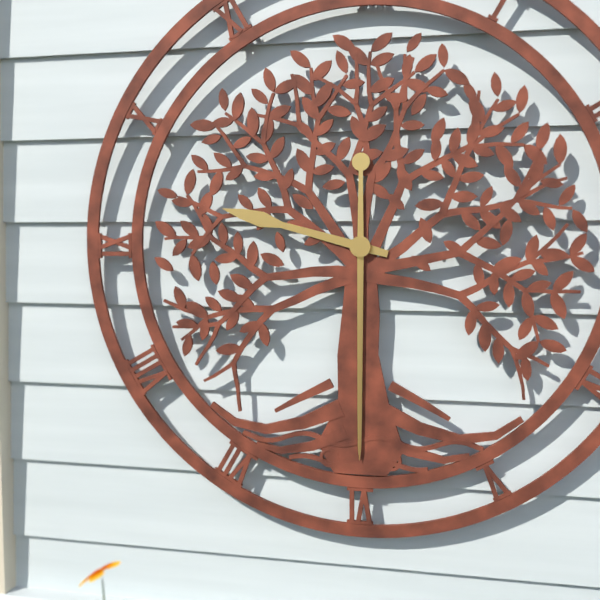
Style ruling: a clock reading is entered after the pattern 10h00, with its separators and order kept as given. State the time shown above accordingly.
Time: 9h30
